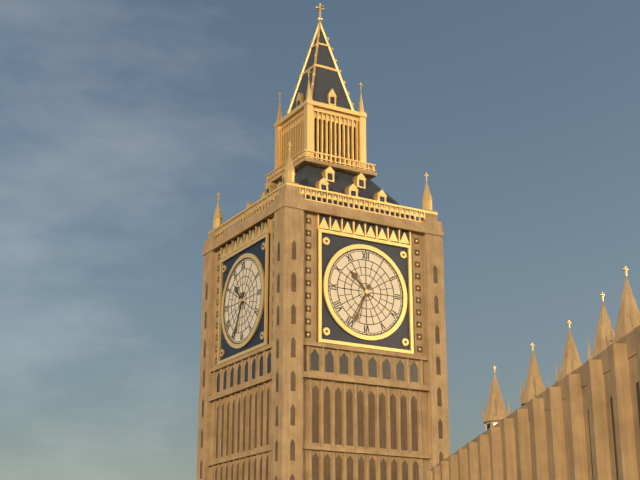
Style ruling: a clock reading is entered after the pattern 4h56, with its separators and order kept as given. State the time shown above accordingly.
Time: 10h34
